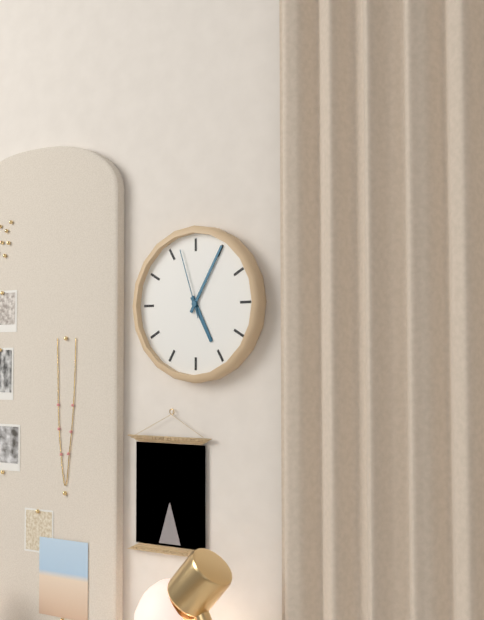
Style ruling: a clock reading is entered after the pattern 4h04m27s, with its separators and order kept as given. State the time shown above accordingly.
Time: 5h05m57s
